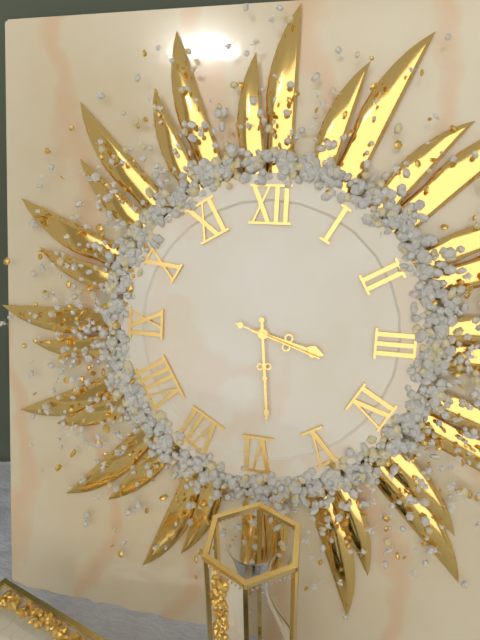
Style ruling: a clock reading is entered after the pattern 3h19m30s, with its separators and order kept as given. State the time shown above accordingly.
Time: 3h29m18s
